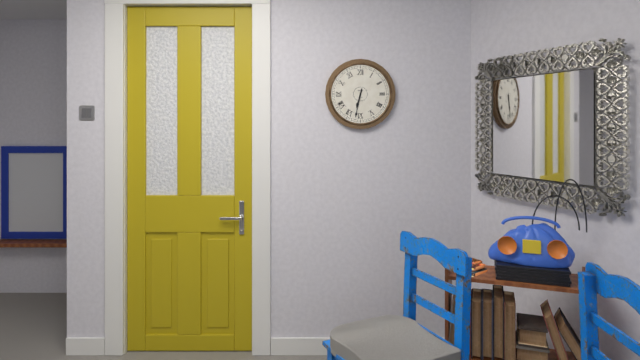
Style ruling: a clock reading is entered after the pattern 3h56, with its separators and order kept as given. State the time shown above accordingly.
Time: 6h32
